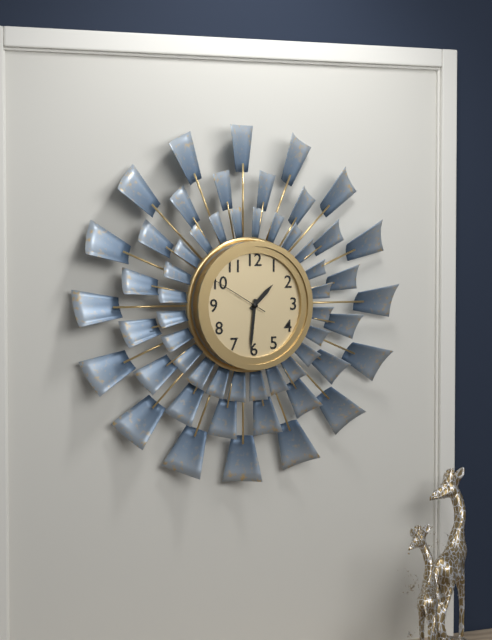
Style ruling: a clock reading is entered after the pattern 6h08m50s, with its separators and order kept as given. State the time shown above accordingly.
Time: 1h31m50s
